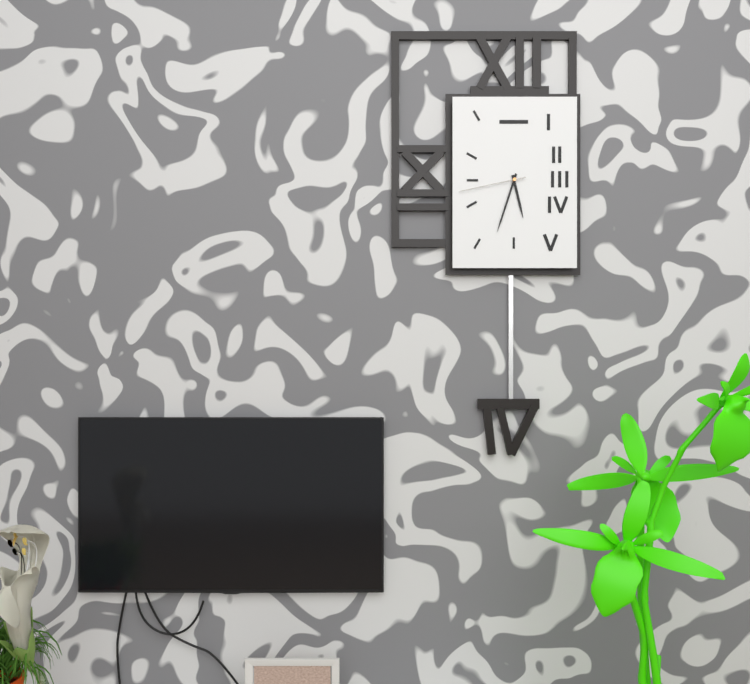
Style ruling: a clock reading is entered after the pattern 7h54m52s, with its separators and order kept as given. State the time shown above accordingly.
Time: 5h33m43s
